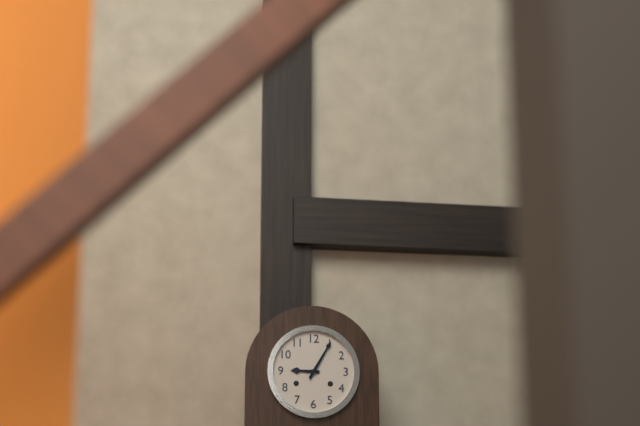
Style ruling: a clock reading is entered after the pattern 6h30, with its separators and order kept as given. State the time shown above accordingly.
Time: 9h05
